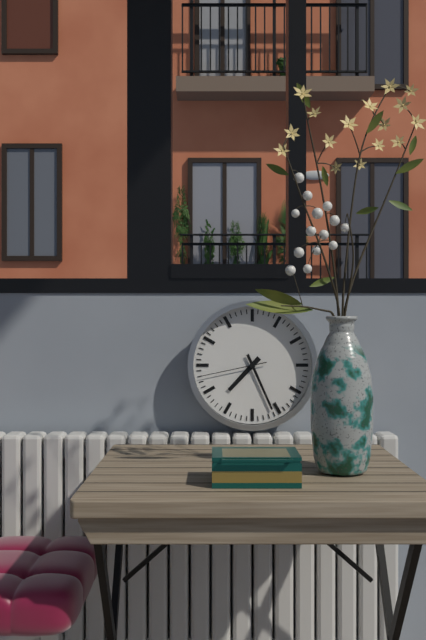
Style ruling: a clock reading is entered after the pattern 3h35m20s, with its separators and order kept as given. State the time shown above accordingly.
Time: 7h26m43s
